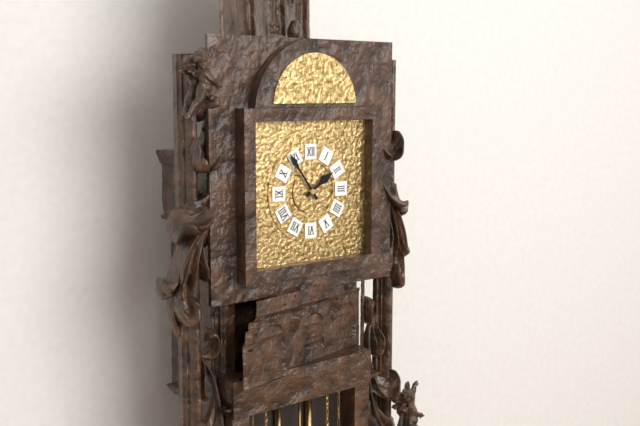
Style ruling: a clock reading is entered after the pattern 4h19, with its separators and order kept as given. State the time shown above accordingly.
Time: 1h54
